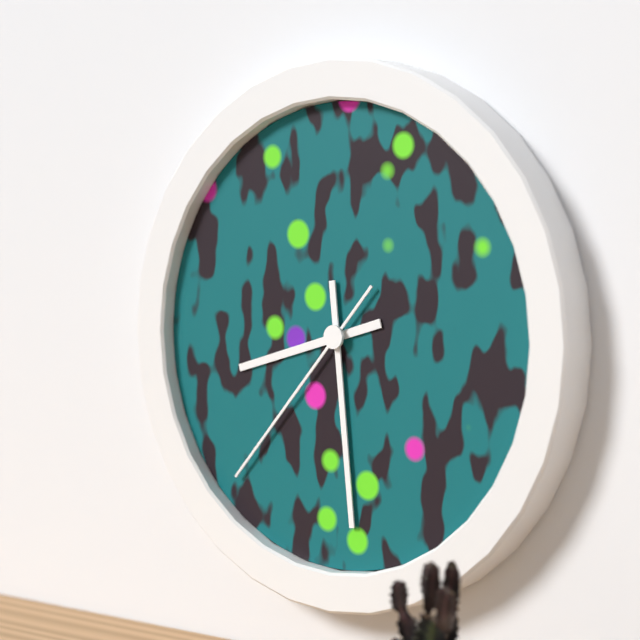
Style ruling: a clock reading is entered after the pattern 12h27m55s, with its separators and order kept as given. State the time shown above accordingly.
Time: 8h29m37s
